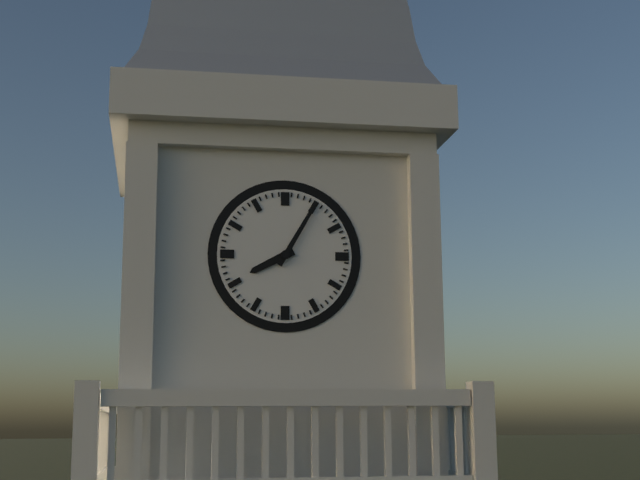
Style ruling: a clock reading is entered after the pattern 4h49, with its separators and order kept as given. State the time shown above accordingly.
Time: 8h05
